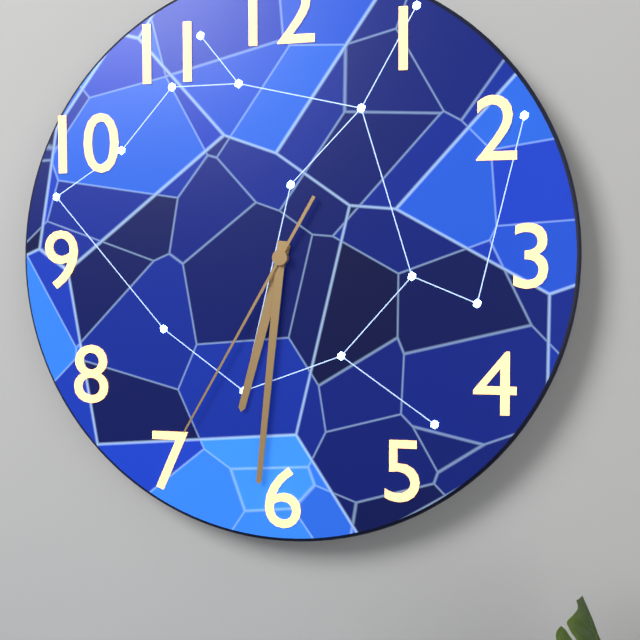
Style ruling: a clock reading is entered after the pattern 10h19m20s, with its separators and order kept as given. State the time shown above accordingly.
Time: 6h31m35s
